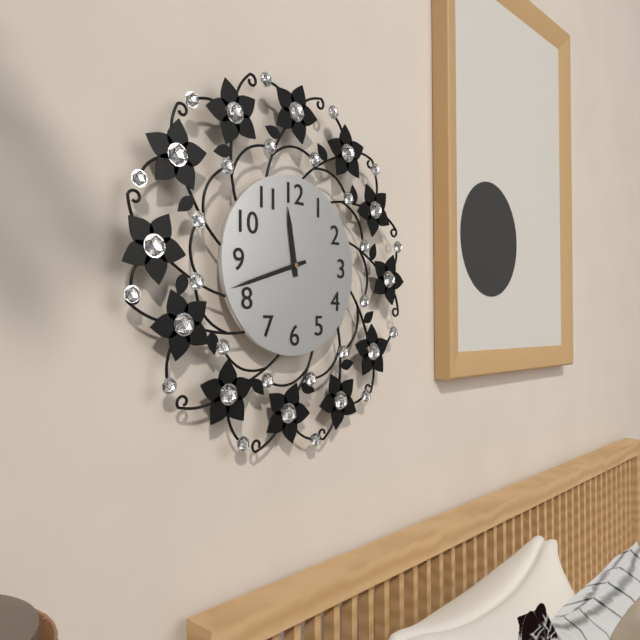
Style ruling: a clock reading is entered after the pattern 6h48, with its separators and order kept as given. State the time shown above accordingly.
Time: 11h42
